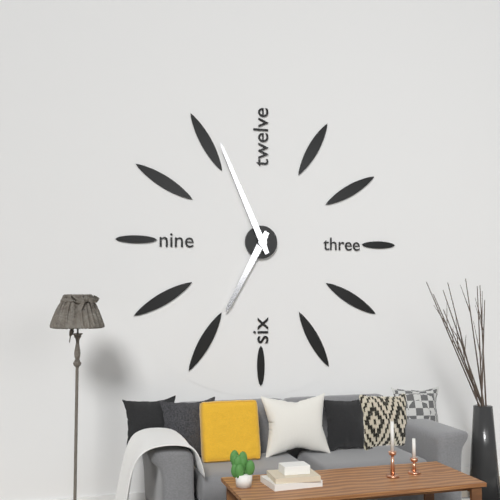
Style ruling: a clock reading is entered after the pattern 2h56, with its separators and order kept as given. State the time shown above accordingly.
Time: 6h56
